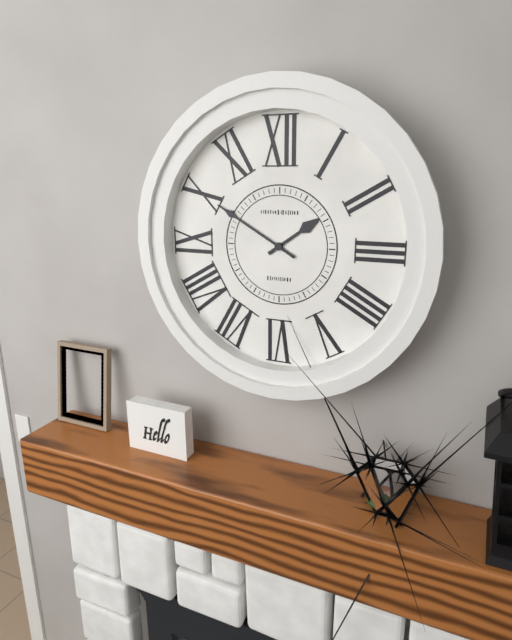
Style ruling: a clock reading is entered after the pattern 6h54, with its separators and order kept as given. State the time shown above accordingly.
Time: 1h50
